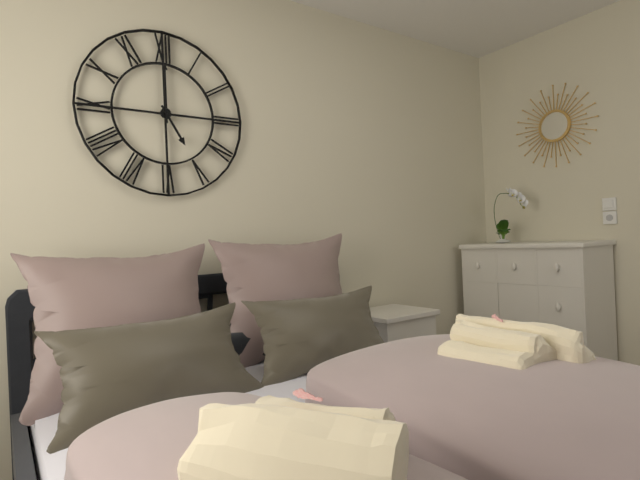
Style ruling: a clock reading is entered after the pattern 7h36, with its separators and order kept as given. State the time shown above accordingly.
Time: 5h00
